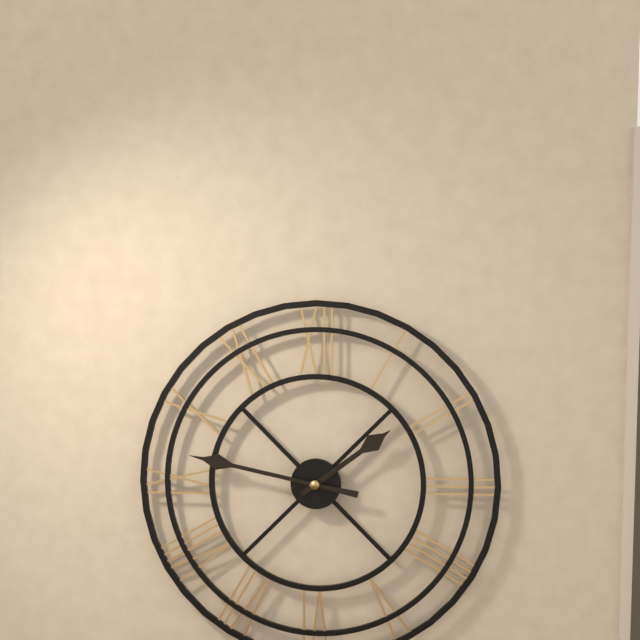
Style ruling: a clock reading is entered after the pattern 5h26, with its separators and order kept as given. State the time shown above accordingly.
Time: 1h47
